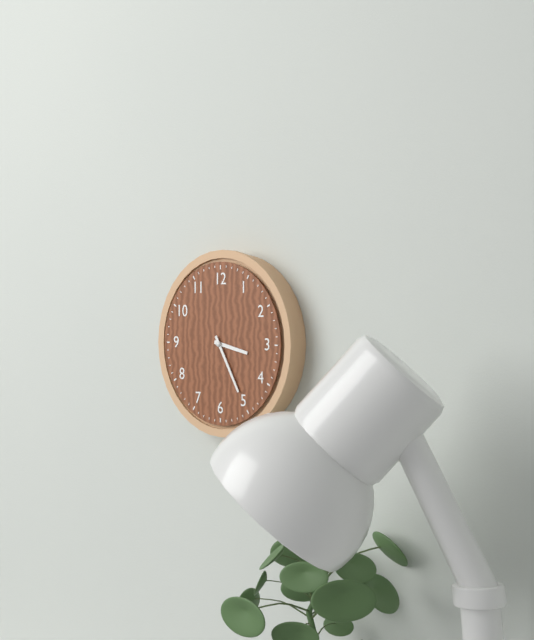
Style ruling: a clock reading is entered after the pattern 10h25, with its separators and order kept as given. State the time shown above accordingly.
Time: 3h25
